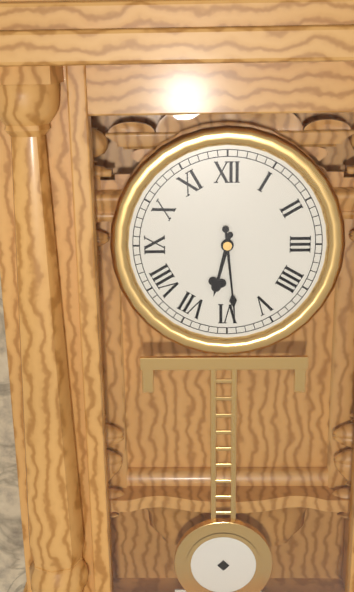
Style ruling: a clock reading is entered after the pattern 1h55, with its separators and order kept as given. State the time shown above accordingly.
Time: 6h29
